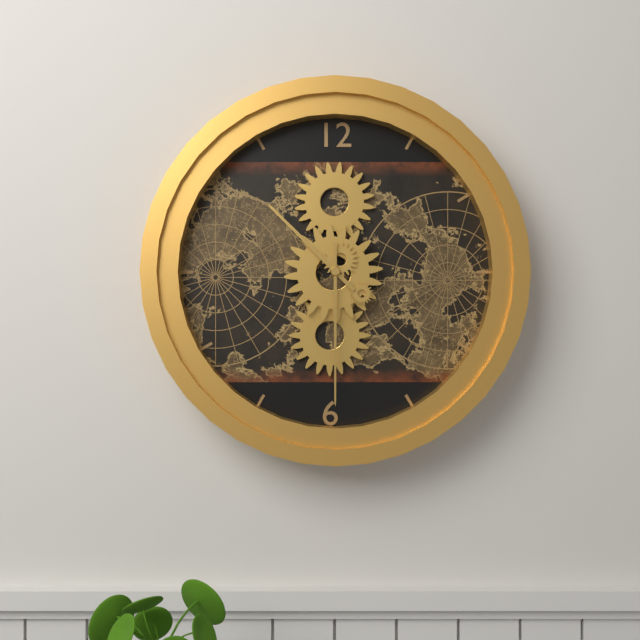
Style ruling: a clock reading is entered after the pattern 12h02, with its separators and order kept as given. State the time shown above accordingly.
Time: 10h30
